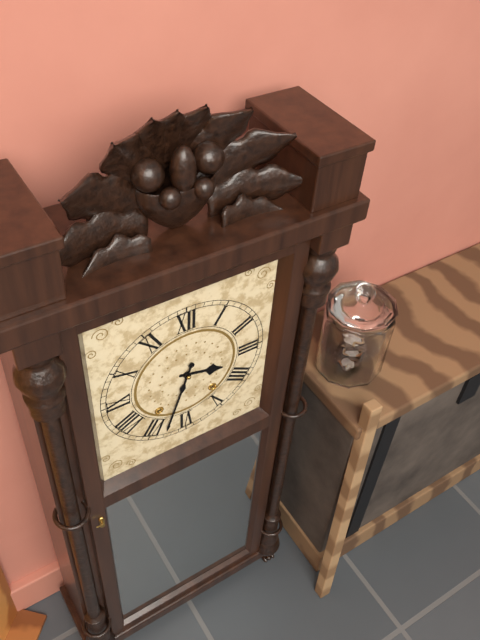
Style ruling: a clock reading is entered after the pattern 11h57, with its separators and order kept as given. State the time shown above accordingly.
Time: 3h33
